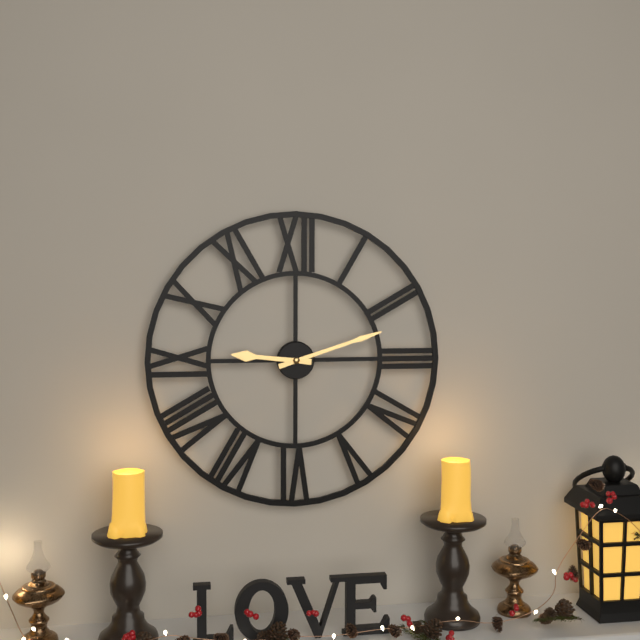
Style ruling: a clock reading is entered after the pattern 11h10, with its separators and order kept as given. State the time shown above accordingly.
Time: 9h12
